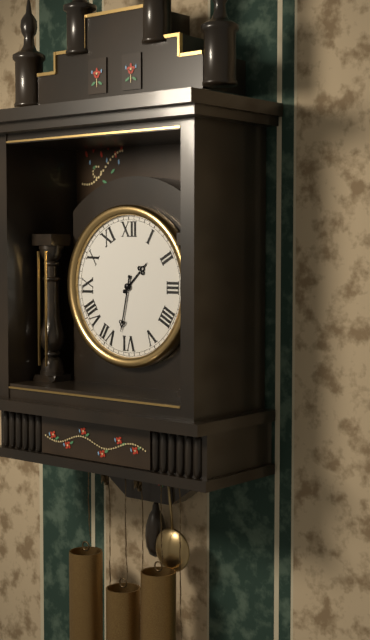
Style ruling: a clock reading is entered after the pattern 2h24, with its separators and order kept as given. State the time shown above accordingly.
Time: 1h32
